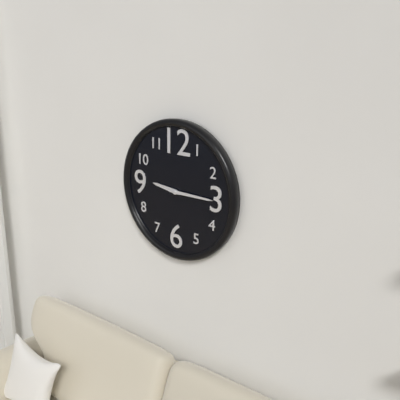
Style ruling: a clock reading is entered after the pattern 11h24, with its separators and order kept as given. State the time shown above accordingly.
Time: 9h15
